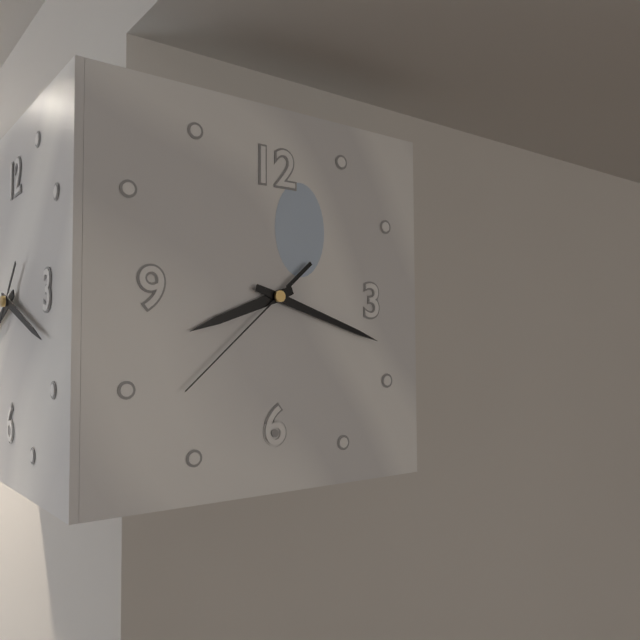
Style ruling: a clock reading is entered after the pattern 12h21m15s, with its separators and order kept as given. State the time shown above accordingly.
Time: 8h18m38s
